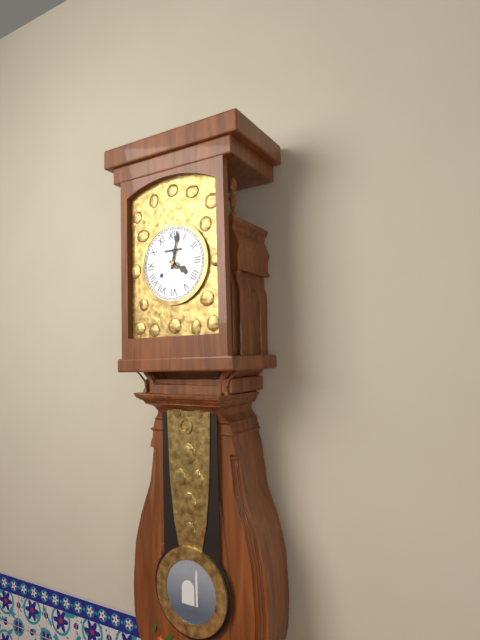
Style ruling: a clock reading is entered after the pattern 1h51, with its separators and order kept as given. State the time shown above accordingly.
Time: 4h02
